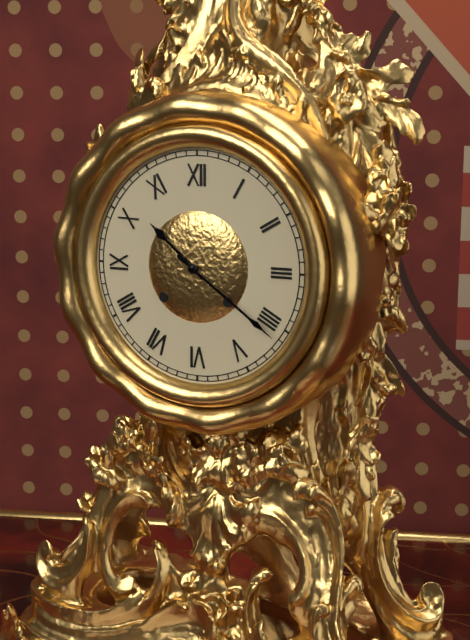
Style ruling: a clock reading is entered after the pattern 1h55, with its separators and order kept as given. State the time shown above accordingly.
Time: 10h21
